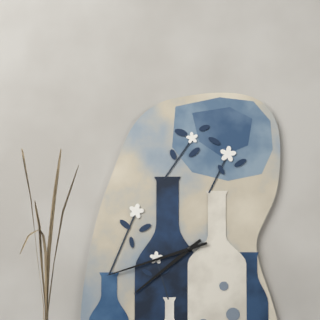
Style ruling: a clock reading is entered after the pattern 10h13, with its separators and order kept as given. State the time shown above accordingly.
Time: 7h42
